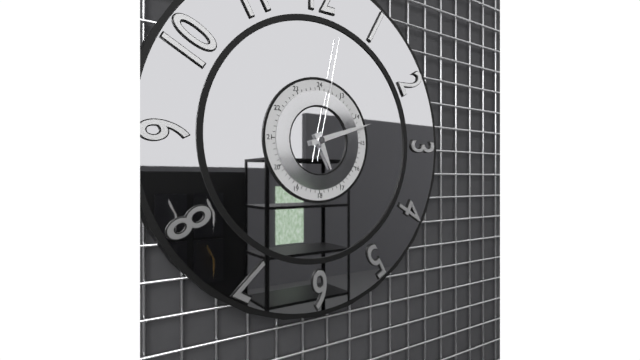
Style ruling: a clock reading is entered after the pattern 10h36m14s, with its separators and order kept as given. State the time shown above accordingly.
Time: 5h12m02s
